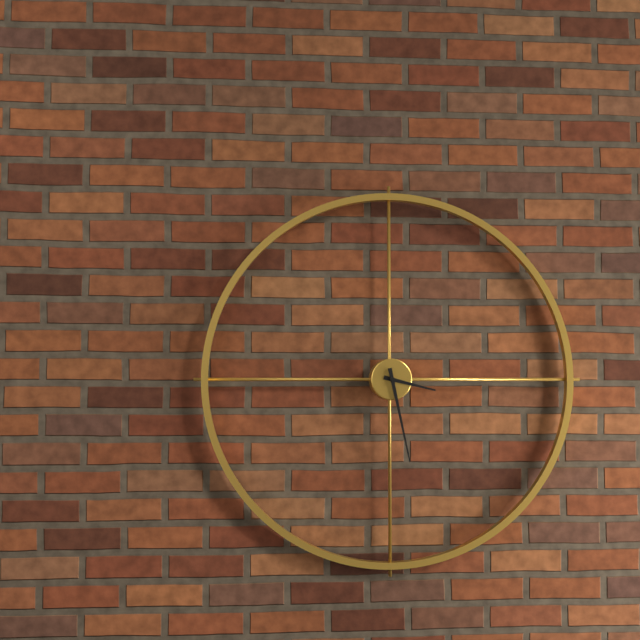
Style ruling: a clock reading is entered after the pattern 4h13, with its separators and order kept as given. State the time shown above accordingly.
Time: 3h28
